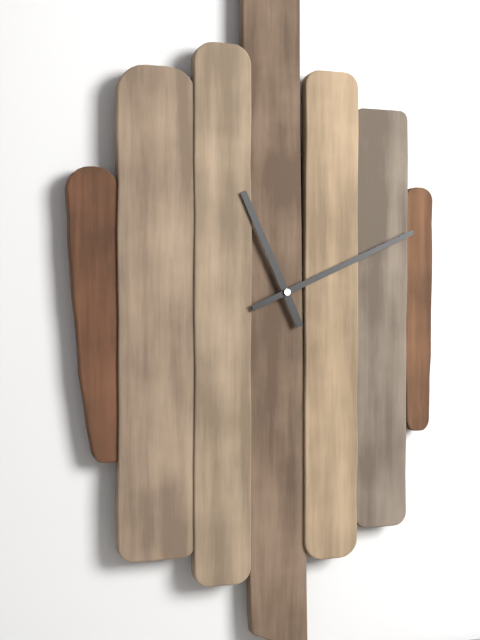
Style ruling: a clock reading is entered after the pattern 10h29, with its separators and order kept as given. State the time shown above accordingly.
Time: 11h11
